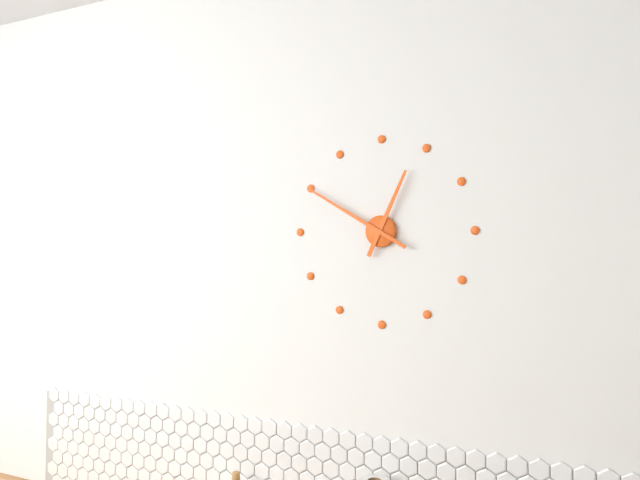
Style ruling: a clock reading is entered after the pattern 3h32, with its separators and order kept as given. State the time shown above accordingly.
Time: 12h50
